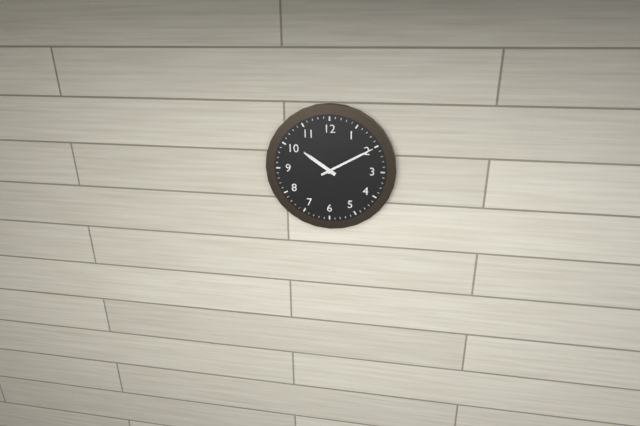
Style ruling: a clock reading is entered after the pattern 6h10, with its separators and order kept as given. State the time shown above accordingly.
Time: 10h10
